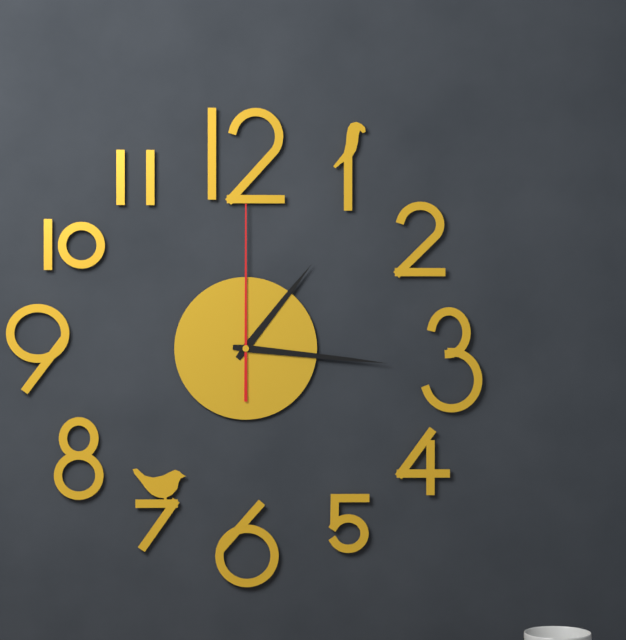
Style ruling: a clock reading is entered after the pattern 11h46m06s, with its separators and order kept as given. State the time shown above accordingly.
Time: 1h16m00s
